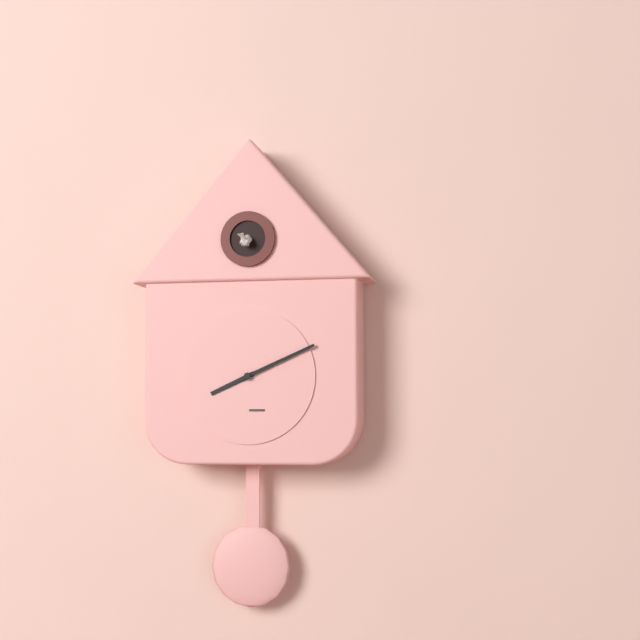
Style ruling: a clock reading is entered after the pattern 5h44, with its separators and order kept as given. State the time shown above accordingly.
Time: 8h11
